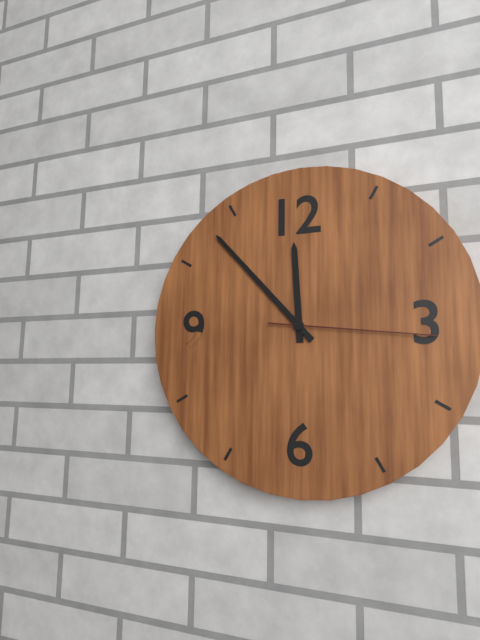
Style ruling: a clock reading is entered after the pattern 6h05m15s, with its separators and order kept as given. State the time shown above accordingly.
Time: 11h53m16s
